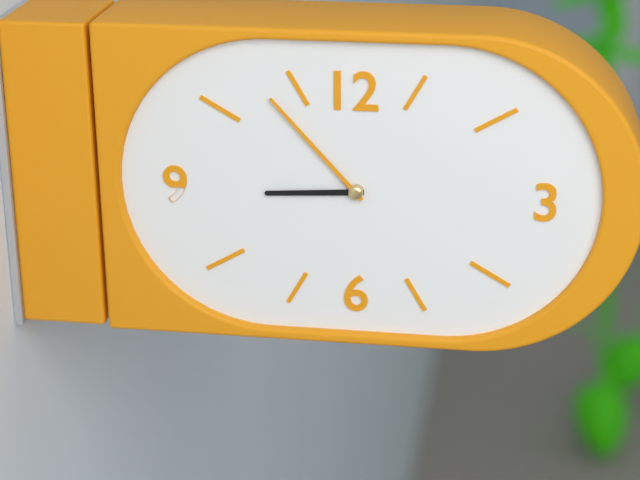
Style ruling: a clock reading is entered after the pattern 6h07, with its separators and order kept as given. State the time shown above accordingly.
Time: 8h53
